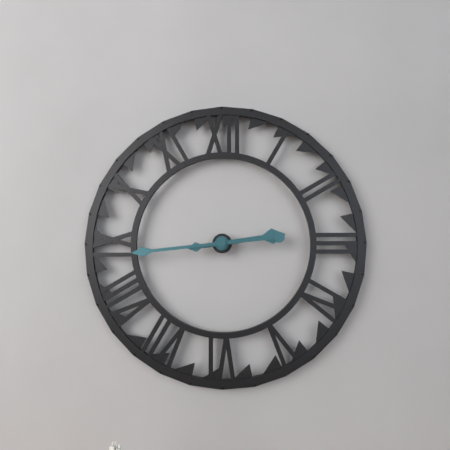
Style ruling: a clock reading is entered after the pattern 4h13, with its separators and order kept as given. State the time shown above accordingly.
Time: 2h44
